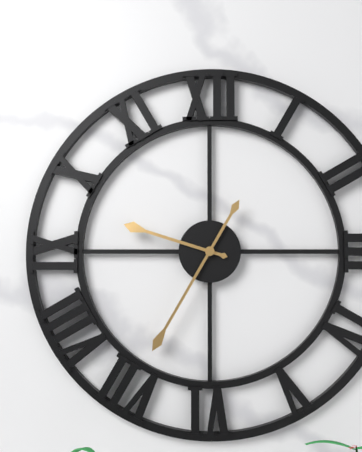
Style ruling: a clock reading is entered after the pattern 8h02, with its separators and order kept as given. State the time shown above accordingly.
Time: 9h35
